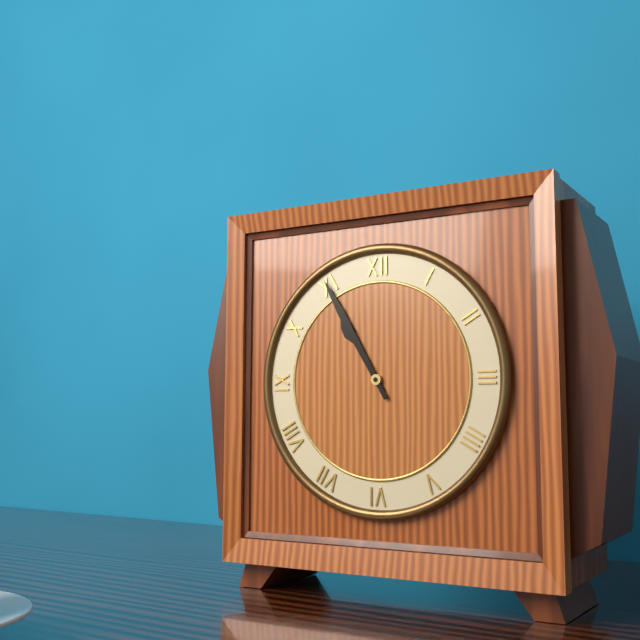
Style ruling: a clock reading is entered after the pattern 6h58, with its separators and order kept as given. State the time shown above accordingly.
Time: 10h55
